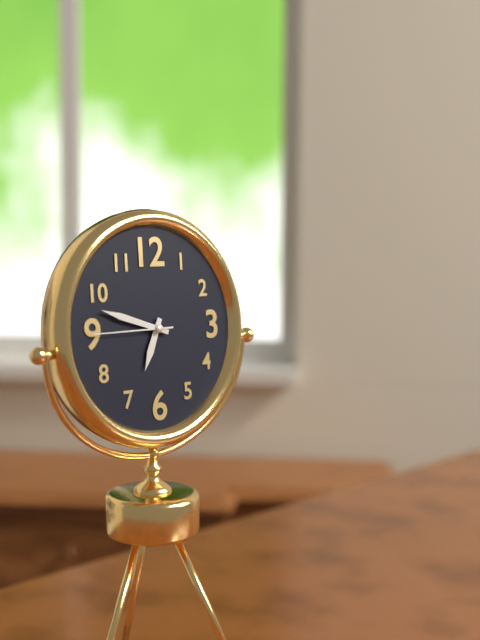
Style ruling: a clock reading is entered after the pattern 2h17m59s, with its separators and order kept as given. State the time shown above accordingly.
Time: 6h48m45s
